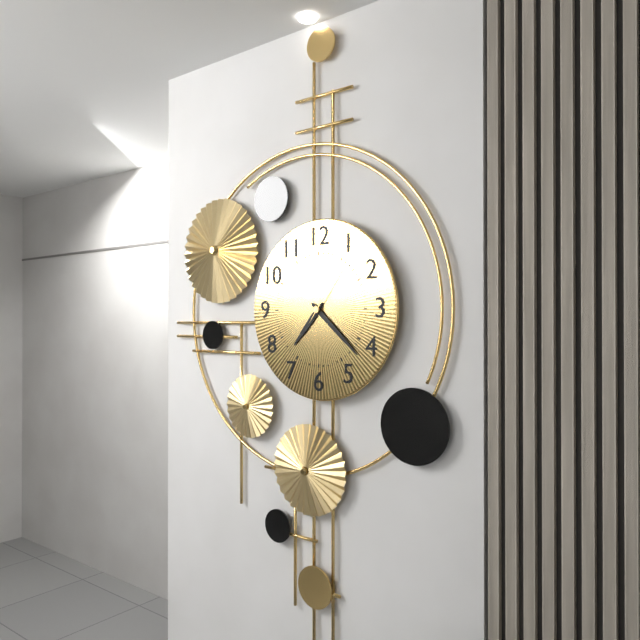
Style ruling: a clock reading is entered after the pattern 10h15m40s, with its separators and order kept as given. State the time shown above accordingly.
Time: 7h22m06s
